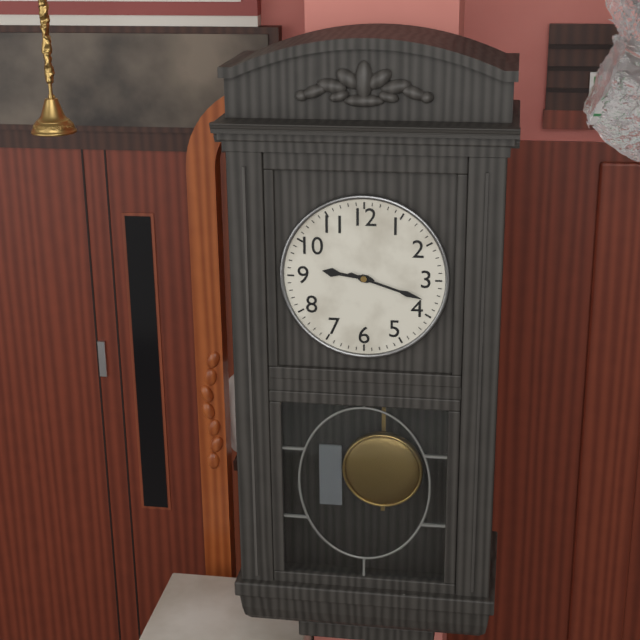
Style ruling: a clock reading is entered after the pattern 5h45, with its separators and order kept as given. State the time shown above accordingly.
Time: 9h18
